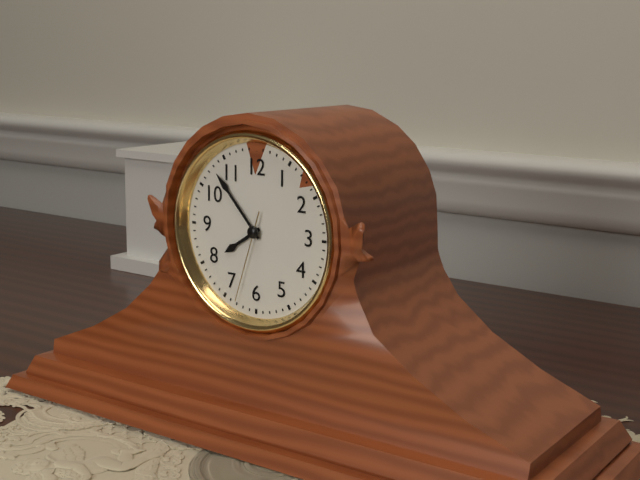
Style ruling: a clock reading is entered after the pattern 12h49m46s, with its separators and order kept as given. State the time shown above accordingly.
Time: 7h53m33s
